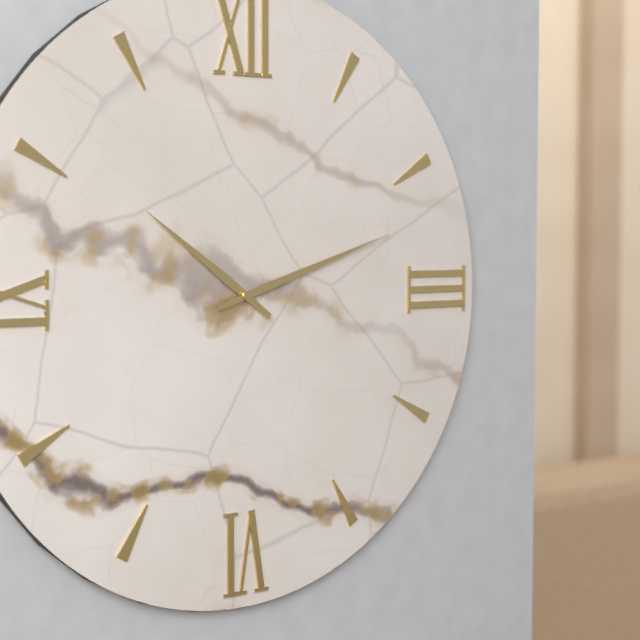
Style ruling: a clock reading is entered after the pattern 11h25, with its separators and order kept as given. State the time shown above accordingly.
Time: 10h12
